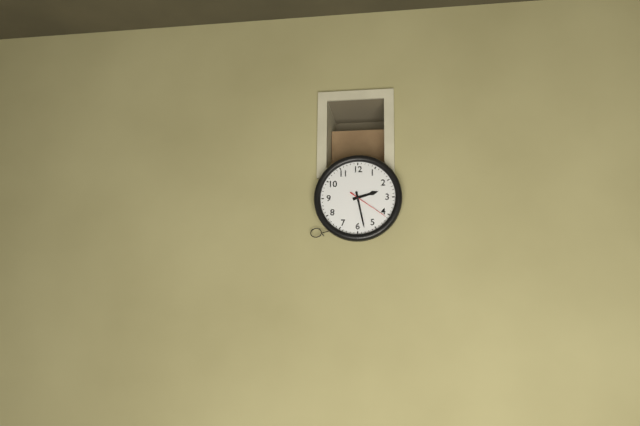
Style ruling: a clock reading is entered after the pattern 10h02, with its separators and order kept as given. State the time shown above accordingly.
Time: 2h28
